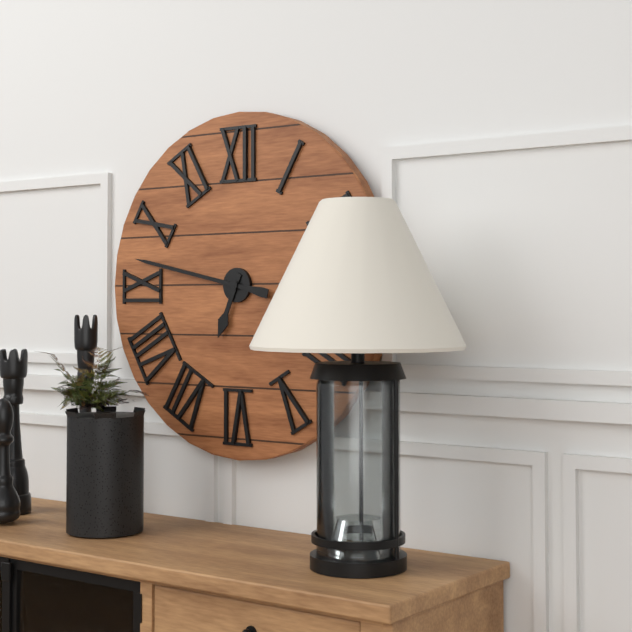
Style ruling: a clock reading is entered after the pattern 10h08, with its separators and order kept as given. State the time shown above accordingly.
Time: 6h47
